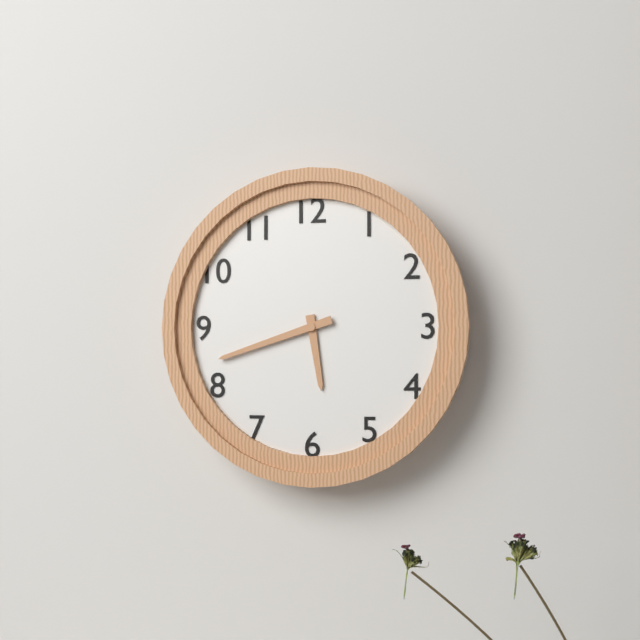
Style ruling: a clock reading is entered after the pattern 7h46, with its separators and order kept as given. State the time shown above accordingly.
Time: 5h42
